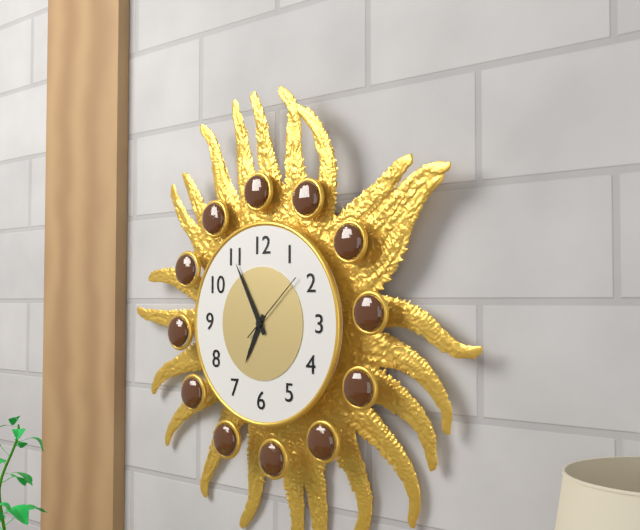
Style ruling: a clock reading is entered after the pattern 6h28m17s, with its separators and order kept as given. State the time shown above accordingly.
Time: 6h55m08s
